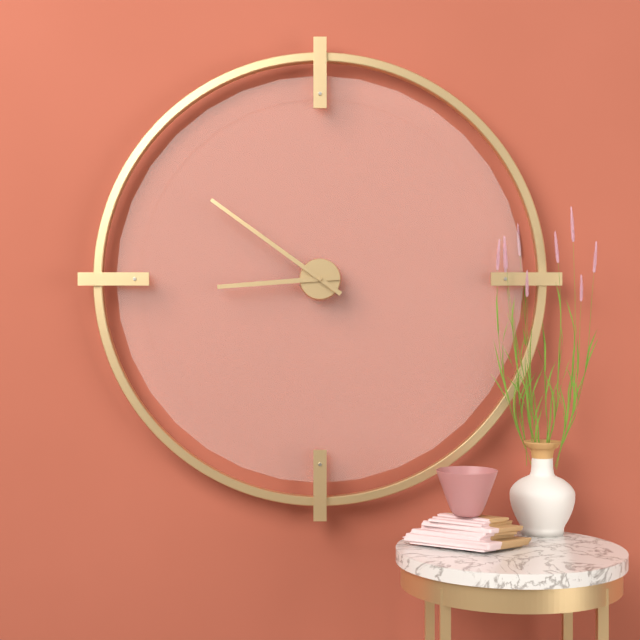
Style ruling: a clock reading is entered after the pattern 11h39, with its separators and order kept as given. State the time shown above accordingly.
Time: 8h51
